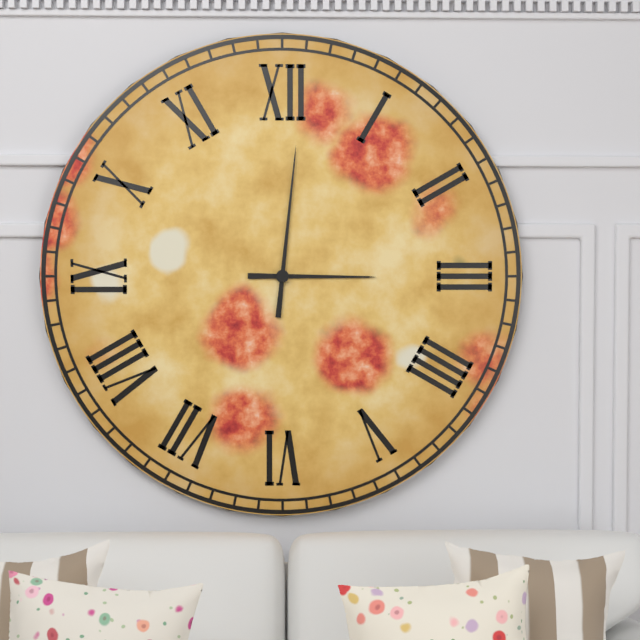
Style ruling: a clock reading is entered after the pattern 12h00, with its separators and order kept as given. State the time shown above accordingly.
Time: 3h01
